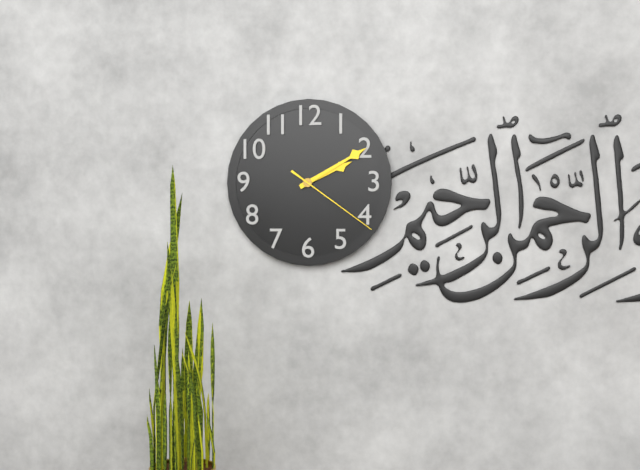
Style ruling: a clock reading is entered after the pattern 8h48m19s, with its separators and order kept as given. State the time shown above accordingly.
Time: 2h10m21s
